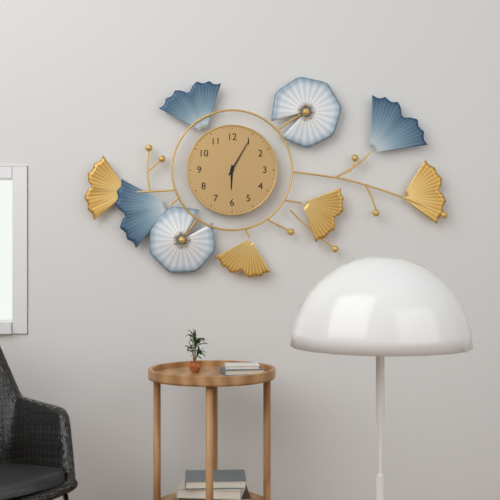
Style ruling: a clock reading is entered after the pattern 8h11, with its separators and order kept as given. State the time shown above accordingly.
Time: 6h05
